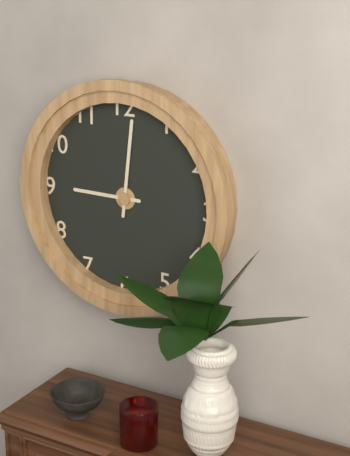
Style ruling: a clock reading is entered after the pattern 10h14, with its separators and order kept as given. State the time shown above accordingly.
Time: 9h01
